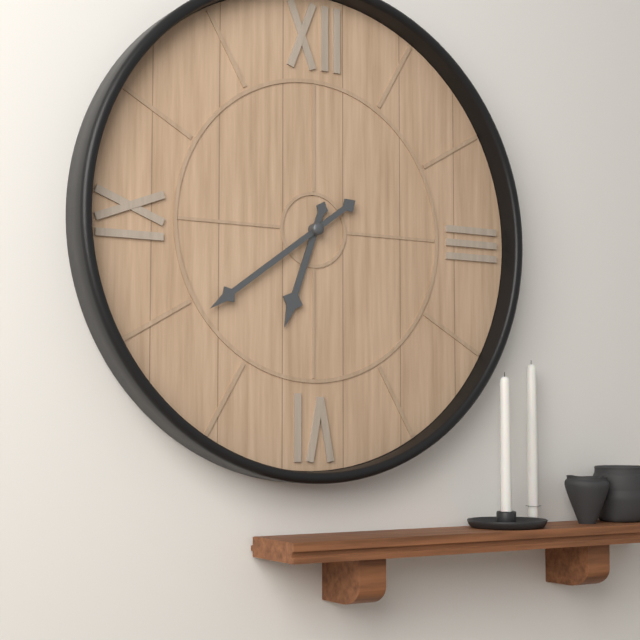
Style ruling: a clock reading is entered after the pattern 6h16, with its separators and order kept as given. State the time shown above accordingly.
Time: 6h39
